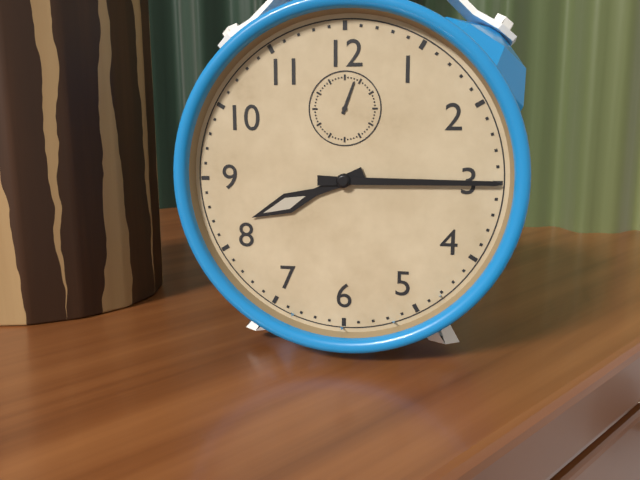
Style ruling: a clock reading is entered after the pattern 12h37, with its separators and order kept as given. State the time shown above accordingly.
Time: 8h15
